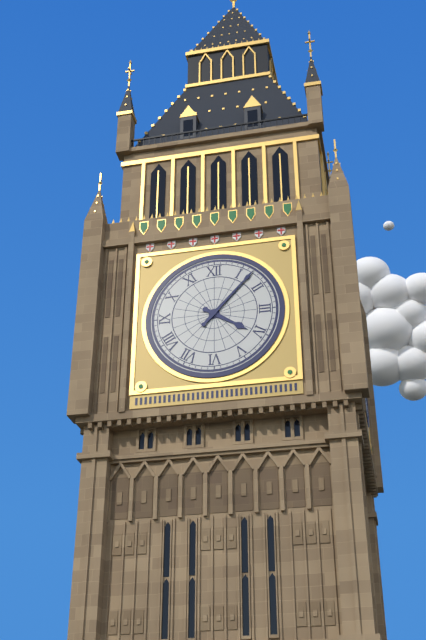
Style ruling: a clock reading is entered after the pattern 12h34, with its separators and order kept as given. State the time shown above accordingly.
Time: 4h07
